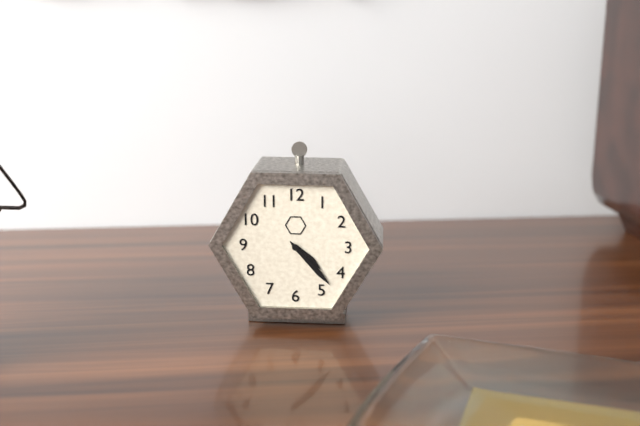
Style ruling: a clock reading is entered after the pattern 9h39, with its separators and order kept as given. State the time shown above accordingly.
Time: 4h23
